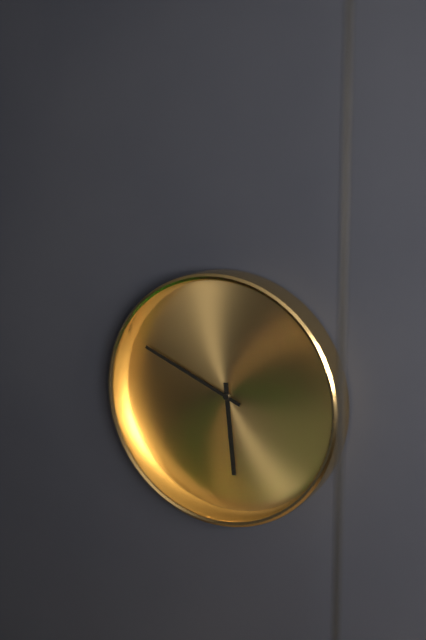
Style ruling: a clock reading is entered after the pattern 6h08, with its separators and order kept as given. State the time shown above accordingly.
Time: 5h49
